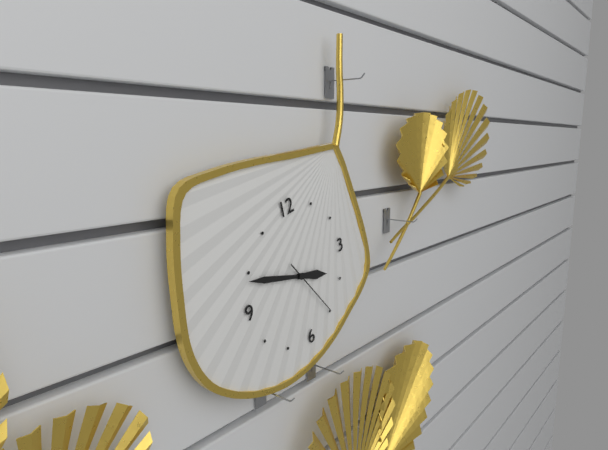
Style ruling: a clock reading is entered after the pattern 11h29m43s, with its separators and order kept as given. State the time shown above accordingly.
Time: 3h49m25s
